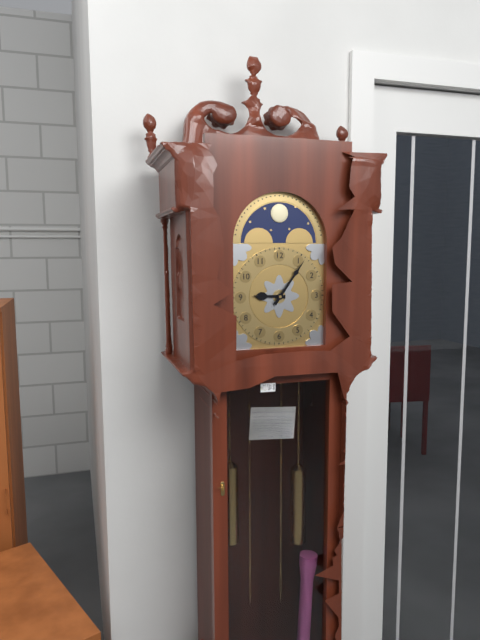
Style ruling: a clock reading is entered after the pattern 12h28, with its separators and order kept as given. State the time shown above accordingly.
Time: 9h06
